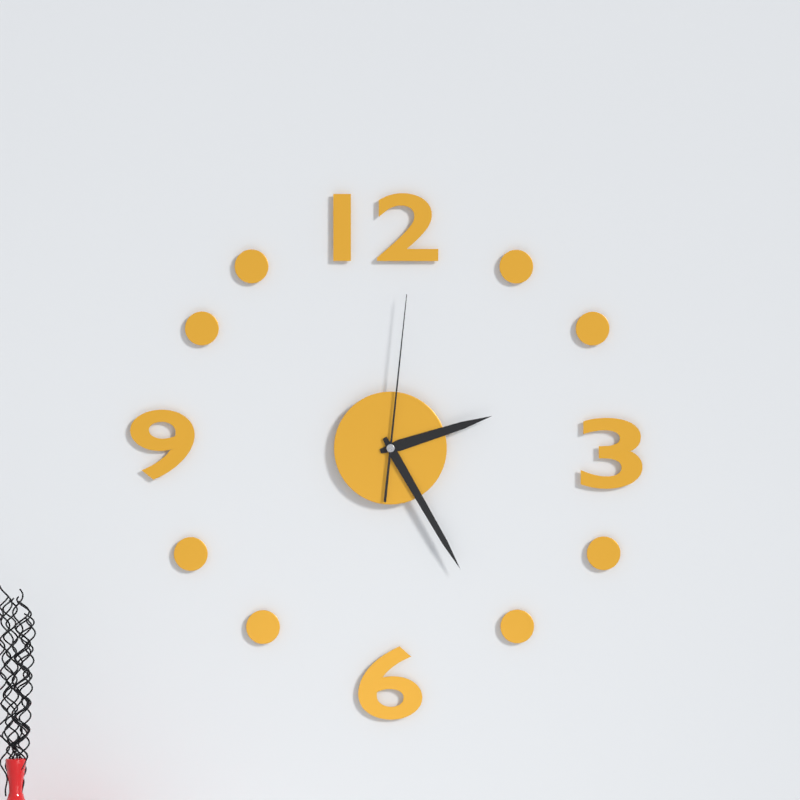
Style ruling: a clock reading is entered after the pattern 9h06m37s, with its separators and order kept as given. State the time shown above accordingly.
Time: 2h25m01s
